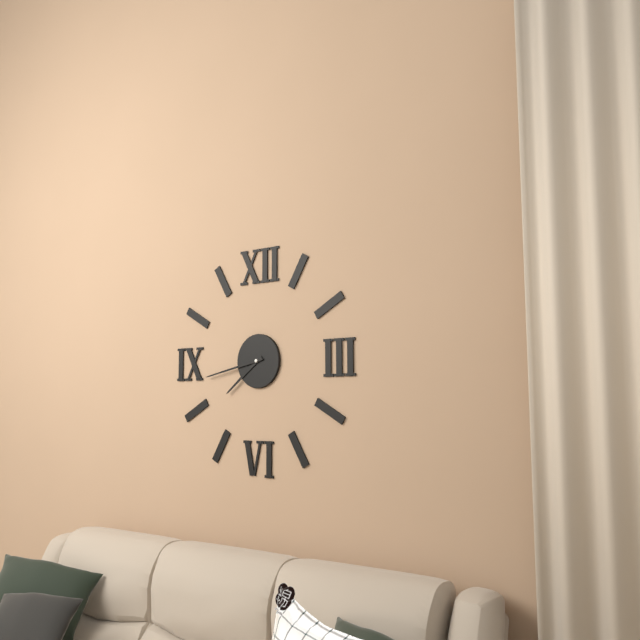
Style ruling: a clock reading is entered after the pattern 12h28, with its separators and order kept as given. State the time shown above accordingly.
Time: 7h43
